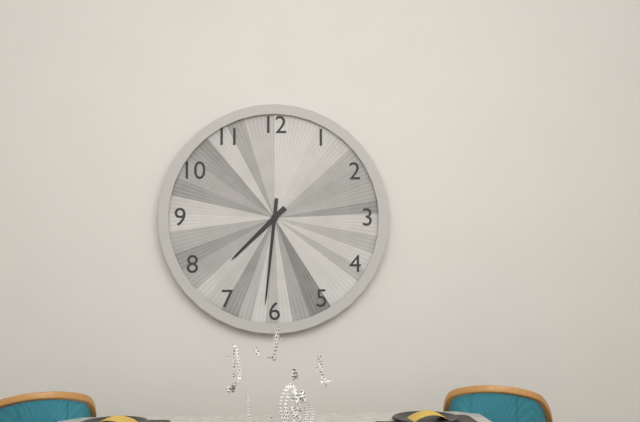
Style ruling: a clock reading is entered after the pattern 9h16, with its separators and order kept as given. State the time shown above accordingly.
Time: 7h31
